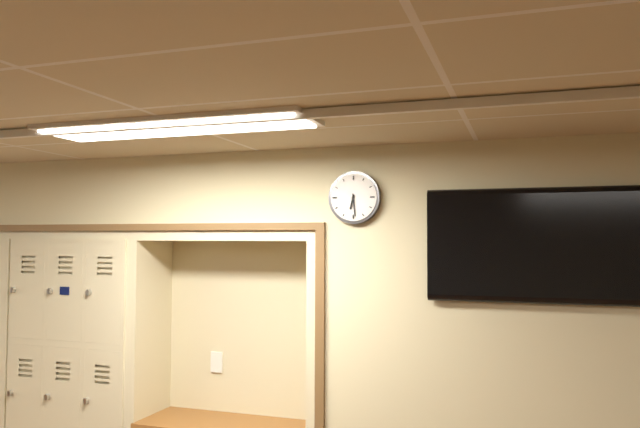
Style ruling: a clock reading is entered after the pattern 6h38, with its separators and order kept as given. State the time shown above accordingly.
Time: 6h29
